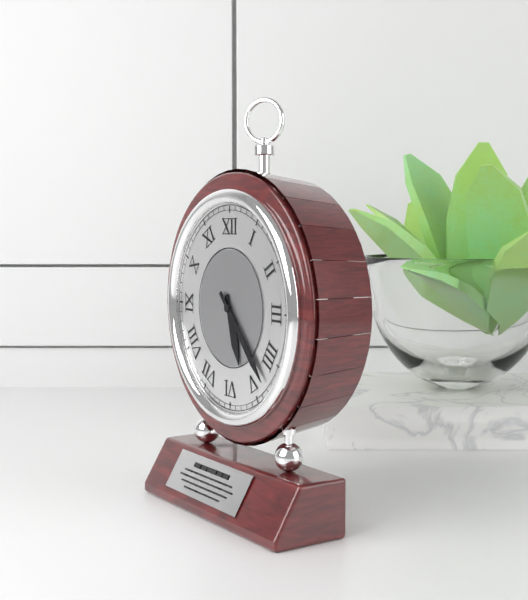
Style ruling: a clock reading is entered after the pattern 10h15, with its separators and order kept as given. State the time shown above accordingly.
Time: 5h23
